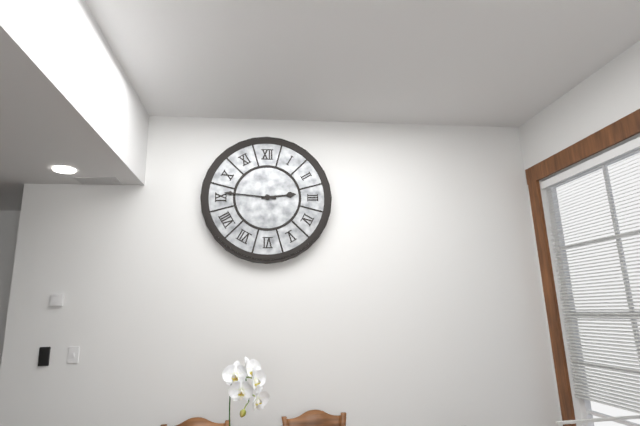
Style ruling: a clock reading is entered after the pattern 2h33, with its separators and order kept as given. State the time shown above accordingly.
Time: 2h46
